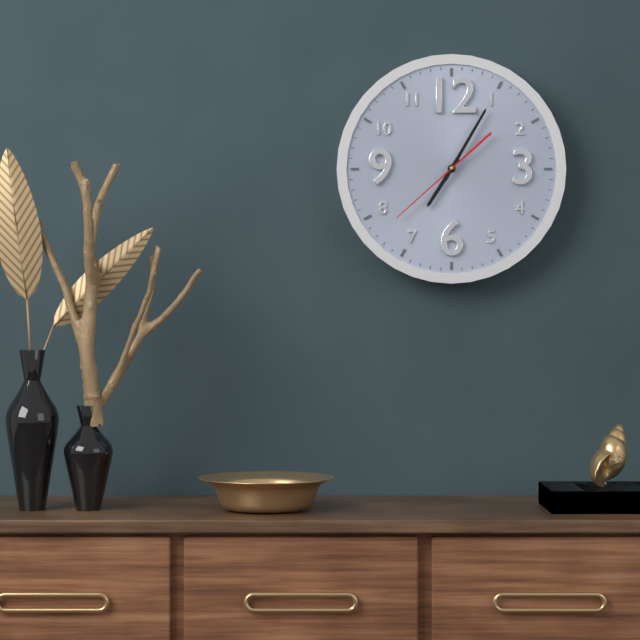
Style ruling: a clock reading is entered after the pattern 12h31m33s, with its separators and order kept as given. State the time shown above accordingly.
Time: 7h05m38s
